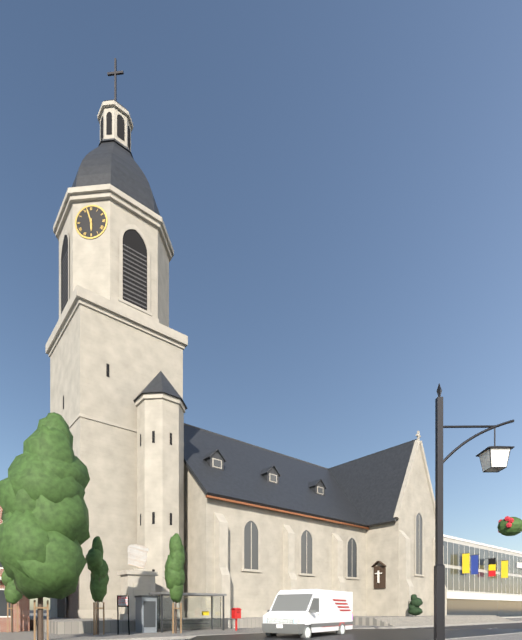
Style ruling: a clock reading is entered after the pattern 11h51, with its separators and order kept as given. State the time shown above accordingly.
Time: 5h57
